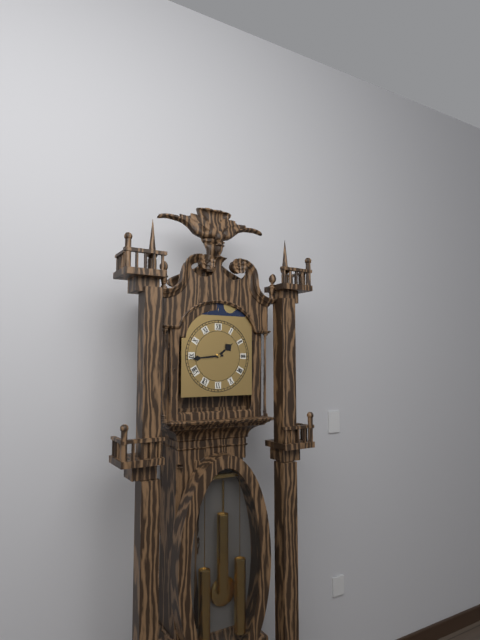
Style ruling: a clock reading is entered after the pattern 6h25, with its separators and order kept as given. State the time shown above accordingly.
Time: 1h44
